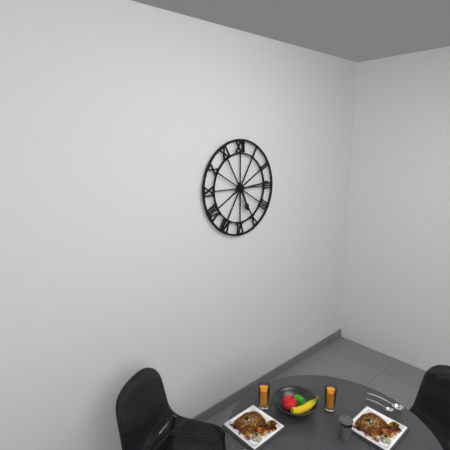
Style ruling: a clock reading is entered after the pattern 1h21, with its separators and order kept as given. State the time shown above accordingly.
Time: 5h14
